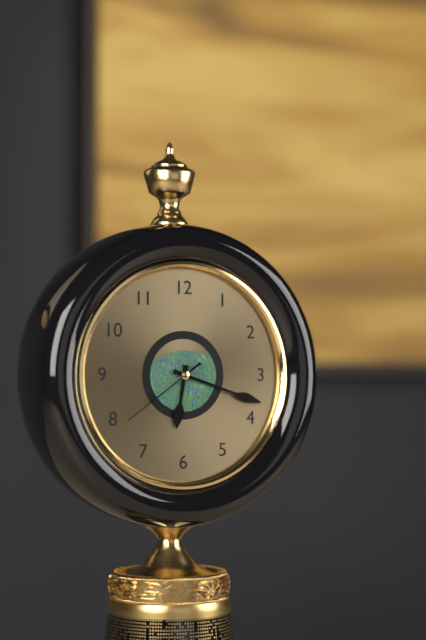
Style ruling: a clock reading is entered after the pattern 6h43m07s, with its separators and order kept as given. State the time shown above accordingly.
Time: 6h18m39s
